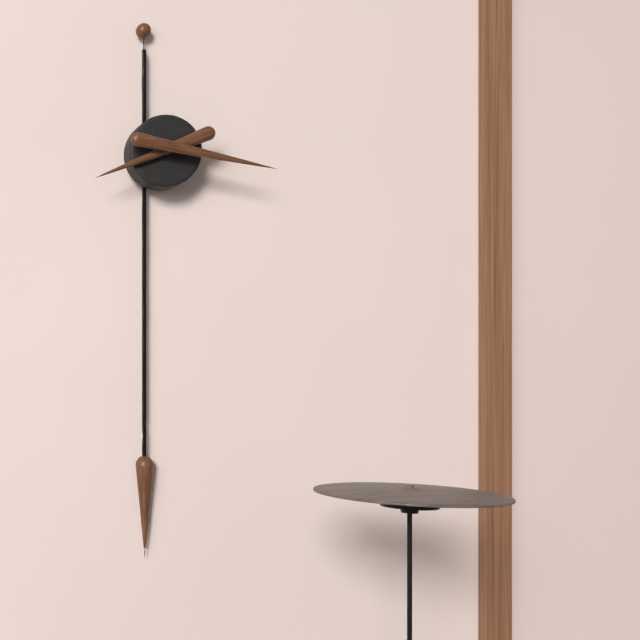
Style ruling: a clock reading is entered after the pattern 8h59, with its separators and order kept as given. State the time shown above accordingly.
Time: 8h17
